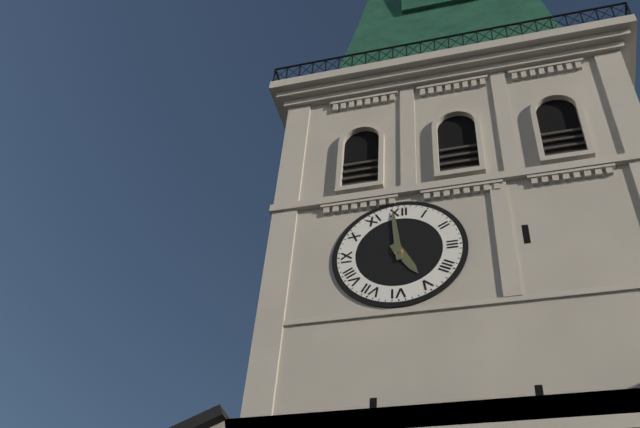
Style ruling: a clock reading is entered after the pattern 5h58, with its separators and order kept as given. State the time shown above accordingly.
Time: 4h59
